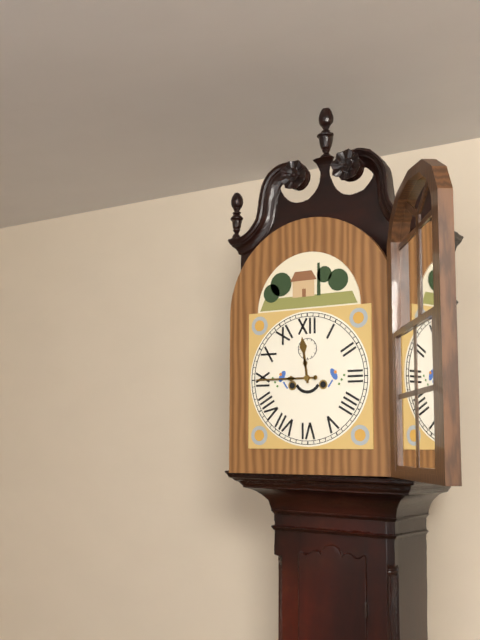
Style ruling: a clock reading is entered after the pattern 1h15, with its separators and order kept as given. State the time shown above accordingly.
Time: 11h45
